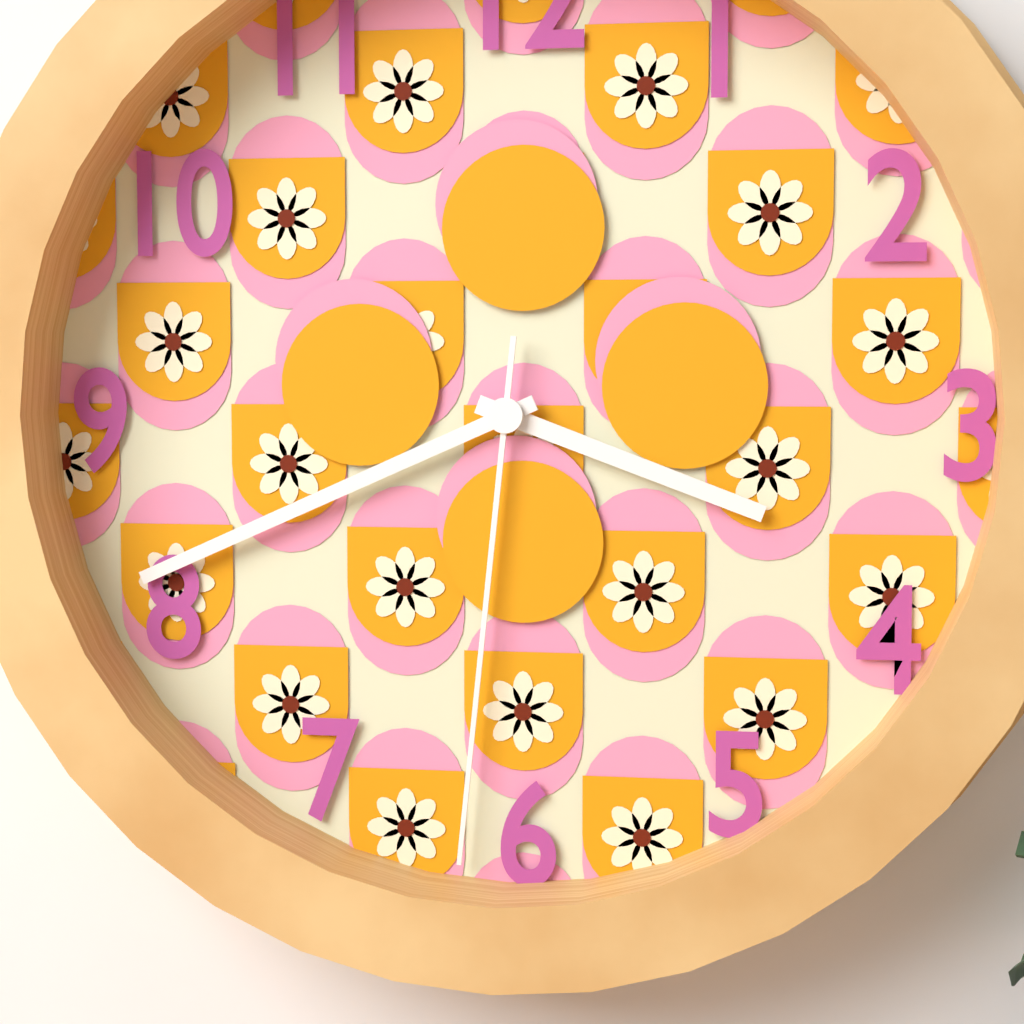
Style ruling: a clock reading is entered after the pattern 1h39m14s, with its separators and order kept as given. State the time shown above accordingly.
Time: 3h41m31s
